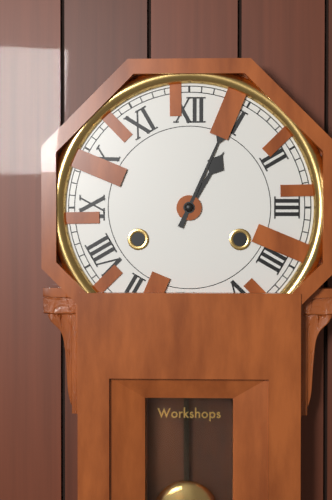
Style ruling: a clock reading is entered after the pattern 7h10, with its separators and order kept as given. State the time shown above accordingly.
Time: 1h04
